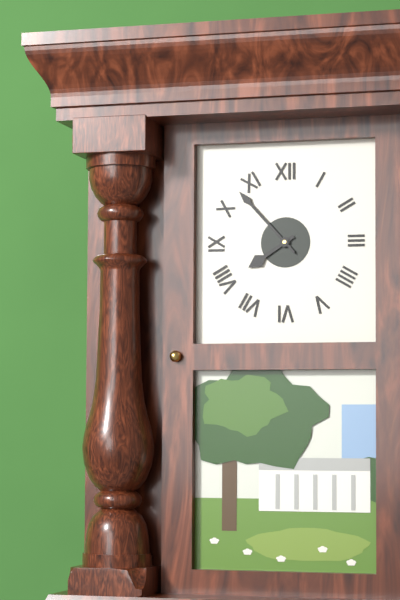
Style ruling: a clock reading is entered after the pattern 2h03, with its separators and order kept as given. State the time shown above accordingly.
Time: 7h53
